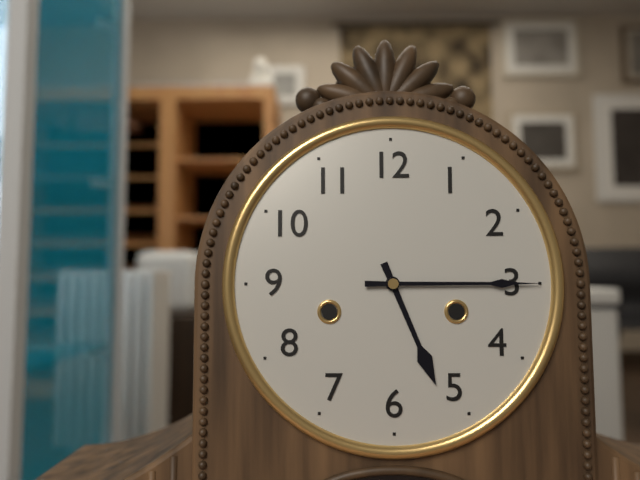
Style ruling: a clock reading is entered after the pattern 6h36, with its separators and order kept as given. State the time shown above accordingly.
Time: 5h15
